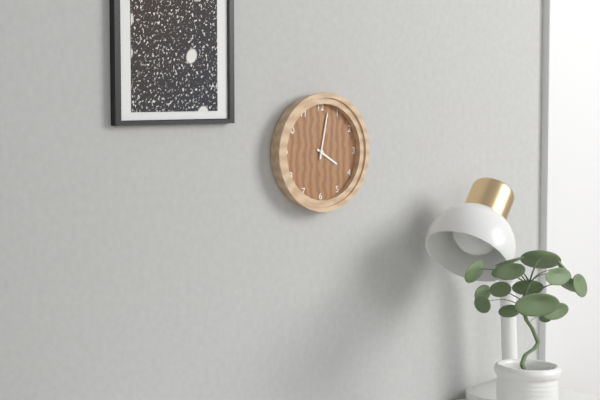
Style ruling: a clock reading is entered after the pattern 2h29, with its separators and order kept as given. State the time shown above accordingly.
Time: 4h02
